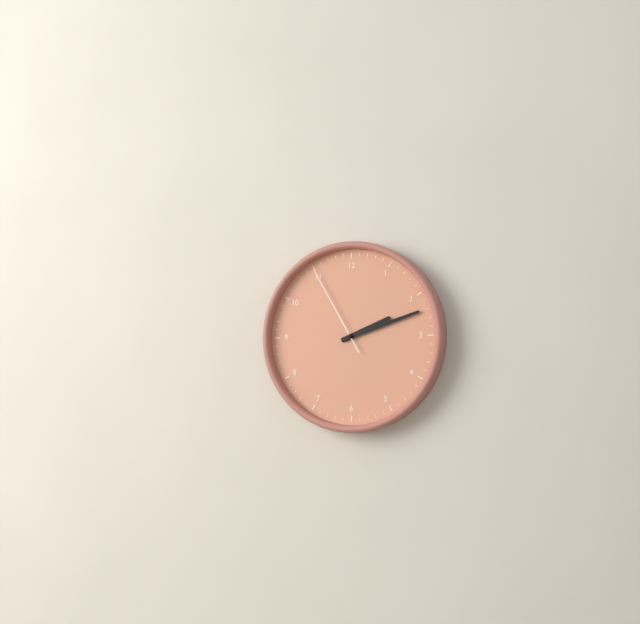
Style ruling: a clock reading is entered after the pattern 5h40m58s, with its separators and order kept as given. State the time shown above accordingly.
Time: 2h12m55s
